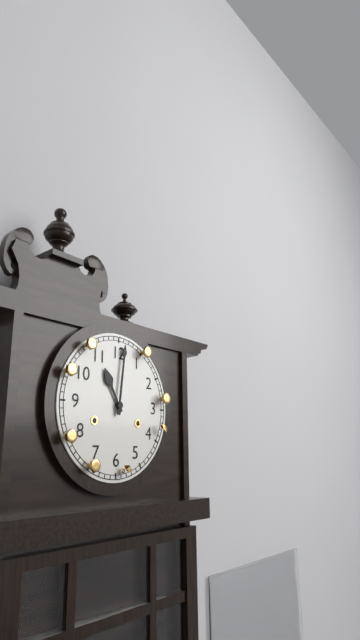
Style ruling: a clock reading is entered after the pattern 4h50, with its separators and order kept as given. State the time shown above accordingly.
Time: 11h01
